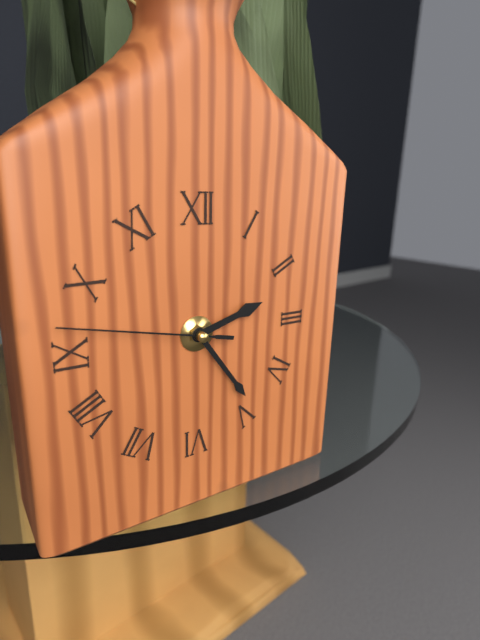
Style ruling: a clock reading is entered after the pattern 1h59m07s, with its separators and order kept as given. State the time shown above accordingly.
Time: 2h24m47s
